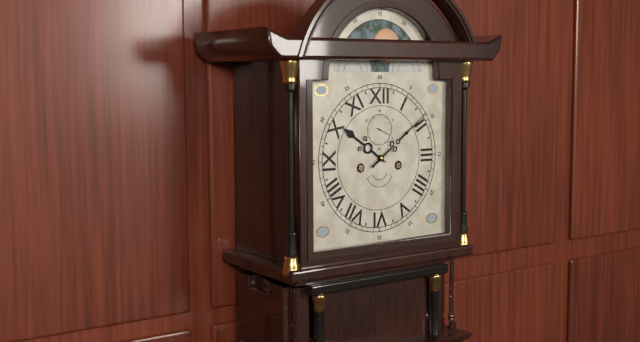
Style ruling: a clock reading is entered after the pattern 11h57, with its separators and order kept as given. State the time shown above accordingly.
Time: 10h09
